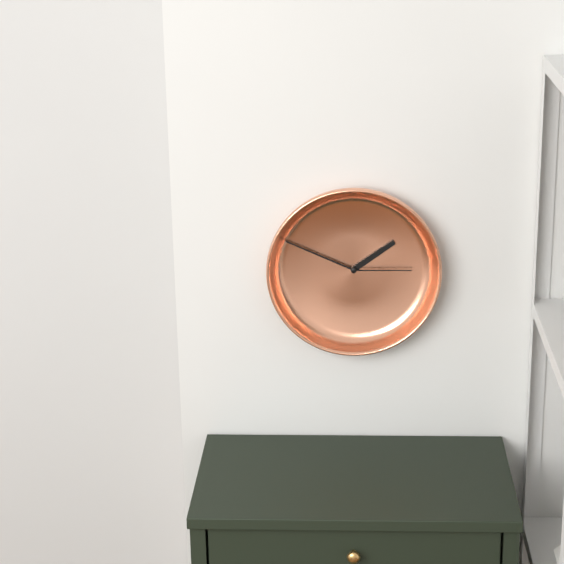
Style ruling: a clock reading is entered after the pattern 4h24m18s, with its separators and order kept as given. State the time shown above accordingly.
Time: 1h49m15s
